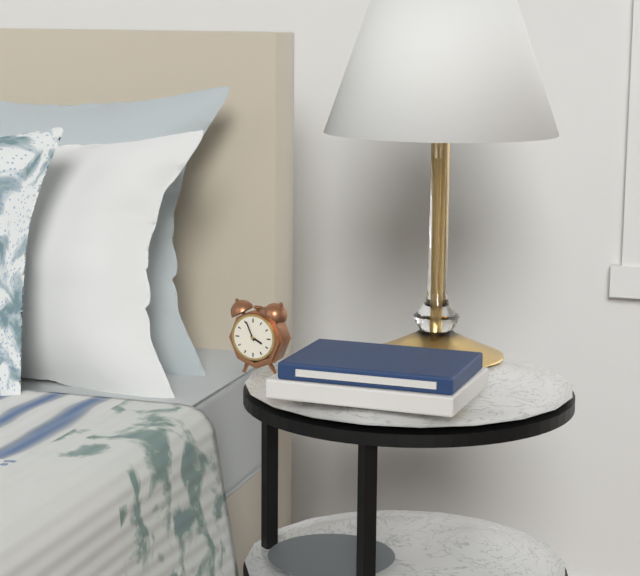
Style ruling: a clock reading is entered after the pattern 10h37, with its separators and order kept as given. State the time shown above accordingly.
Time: 3h56
